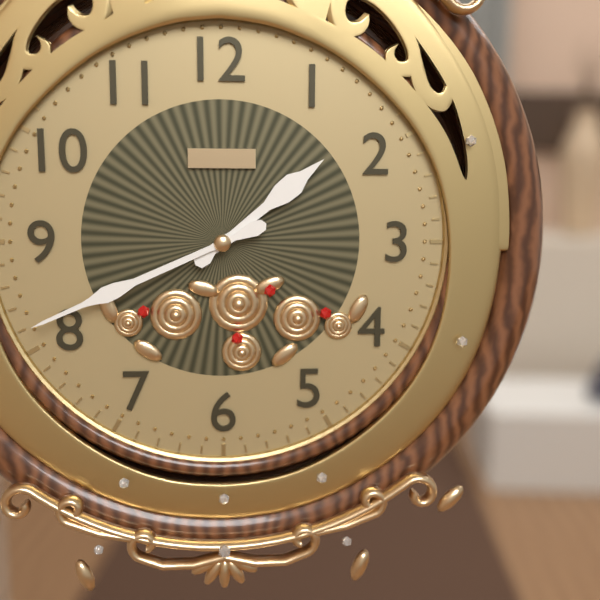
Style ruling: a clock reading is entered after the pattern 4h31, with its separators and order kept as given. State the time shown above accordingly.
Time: 1h41
